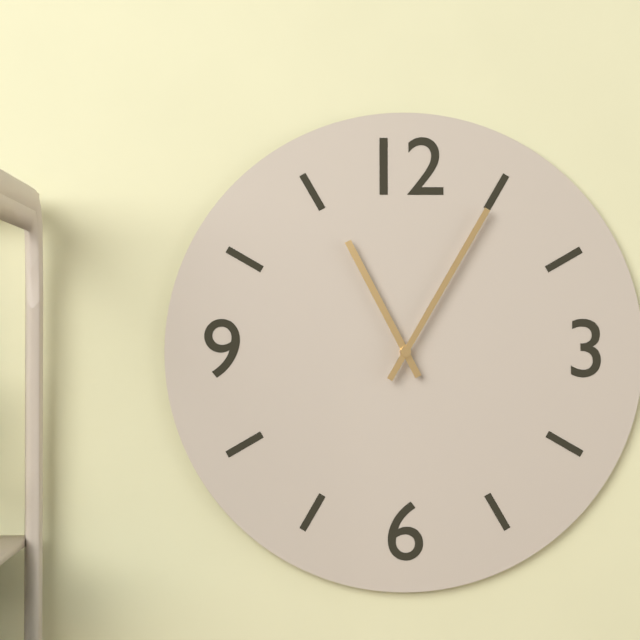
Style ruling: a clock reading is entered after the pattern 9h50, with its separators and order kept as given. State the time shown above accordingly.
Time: 11h05
